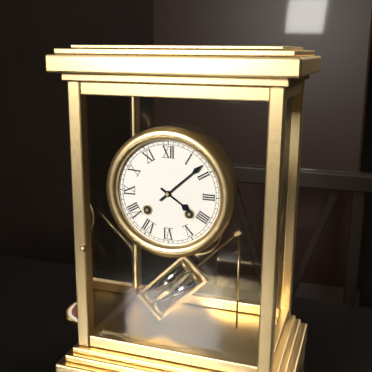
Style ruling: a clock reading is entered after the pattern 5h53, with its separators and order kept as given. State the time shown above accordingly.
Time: 4h08
